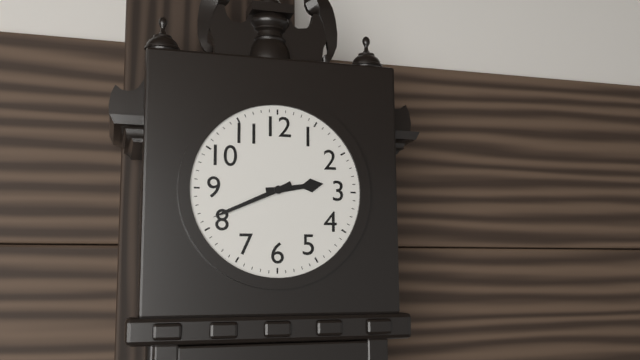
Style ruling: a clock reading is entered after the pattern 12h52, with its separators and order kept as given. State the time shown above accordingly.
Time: 2h41
